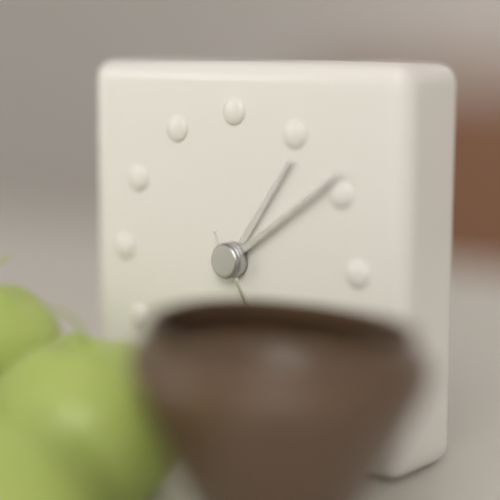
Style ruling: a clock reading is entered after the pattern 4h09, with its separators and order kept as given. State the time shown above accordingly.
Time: 1h09
